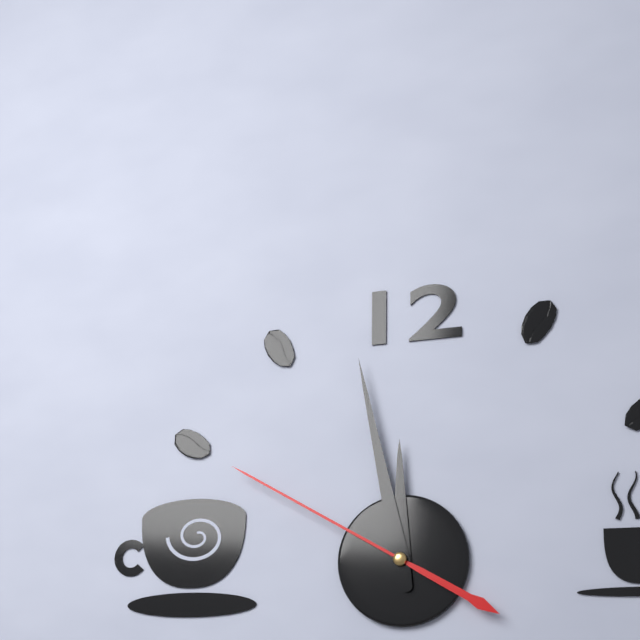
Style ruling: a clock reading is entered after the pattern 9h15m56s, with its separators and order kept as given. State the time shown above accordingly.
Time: 11h58m50s
